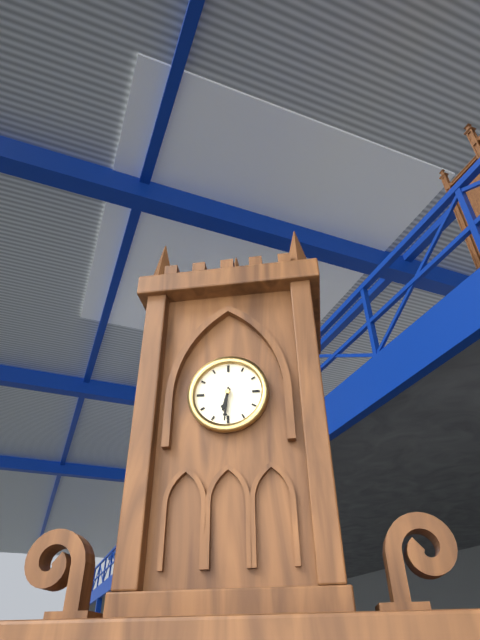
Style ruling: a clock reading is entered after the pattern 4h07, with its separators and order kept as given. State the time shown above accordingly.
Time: 6h31
